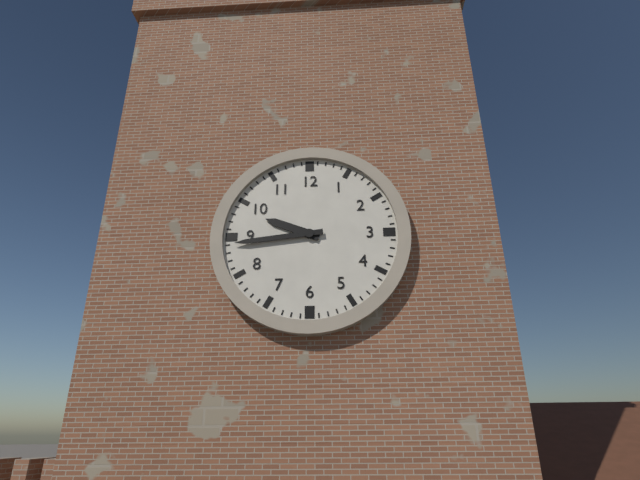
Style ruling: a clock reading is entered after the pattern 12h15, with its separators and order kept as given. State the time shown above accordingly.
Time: 9h44
